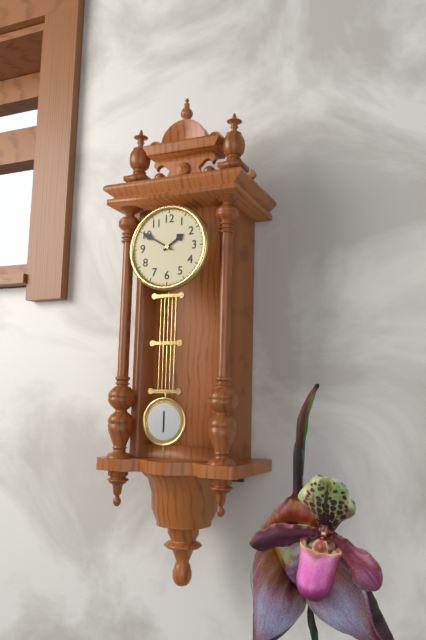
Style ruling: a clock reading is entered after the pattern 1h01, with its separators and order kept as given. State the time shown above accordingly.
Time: 1h50
